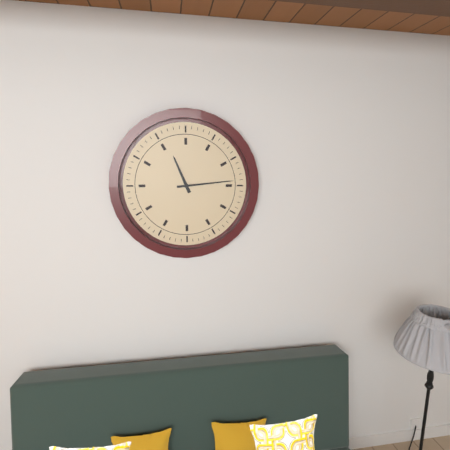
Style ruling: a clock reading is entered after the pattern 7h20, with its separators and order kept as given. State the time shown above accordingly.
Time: 11h14
